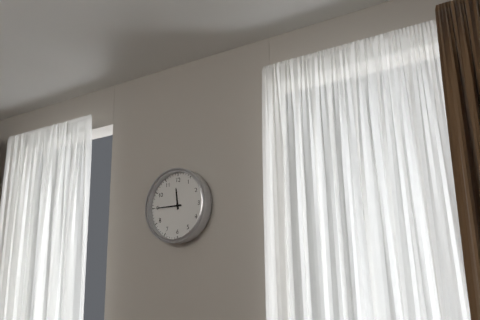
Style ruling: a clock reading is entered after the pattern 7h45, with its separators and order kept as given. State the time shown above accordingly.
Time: 11h45
